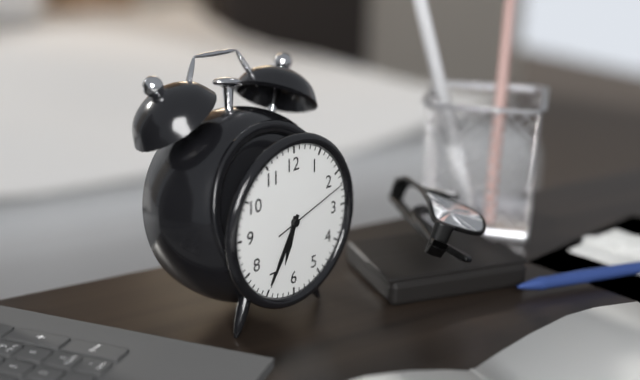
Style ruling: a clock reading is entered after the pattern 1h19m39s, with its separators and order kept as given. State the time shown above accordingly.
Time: 6h35m12s
